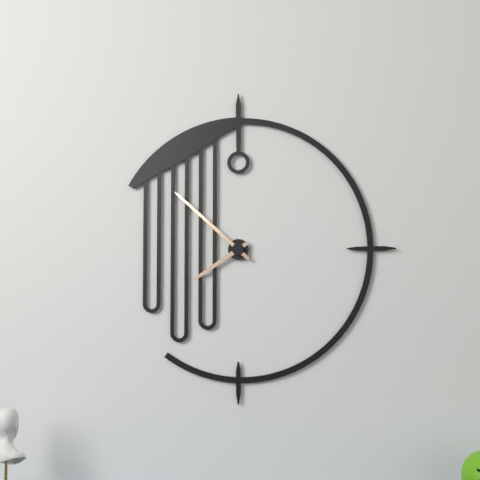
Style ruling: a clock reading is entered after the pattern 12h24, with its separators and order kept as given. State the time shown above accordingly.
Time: 7h52
